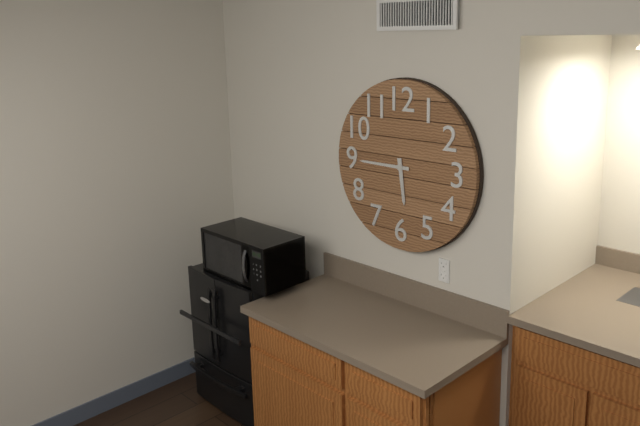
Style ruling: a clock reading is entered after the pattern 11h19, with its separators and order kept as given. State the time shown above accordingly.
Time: 5h45
